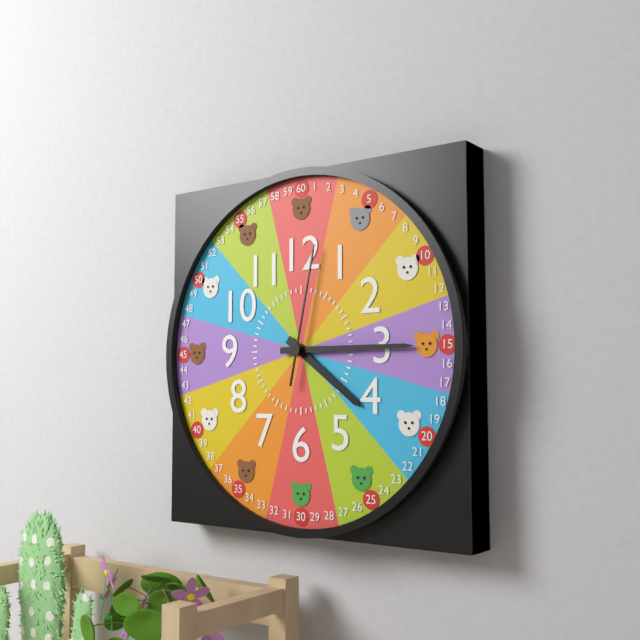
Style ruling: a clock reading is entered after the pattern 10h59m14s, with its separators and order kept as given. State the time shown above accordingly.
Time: 4h15m02s
